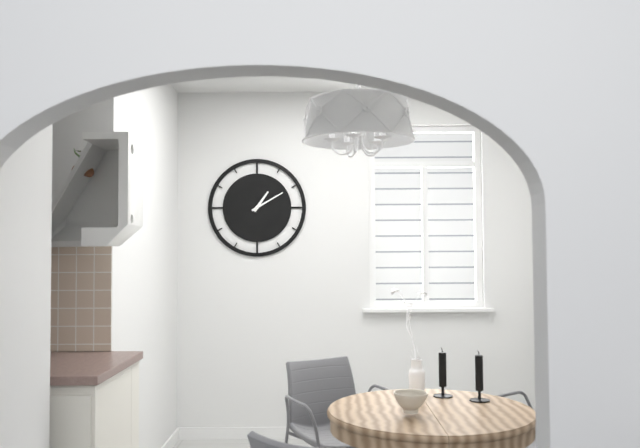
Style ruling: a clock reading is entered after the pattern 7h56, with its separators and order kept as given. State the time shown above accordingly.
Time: 1h10
